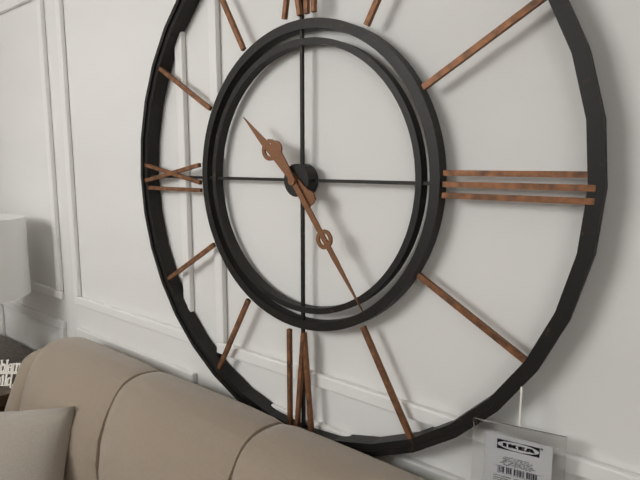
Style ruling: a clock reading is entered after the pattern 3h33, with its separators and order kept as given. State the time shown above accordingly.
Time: 10h24
